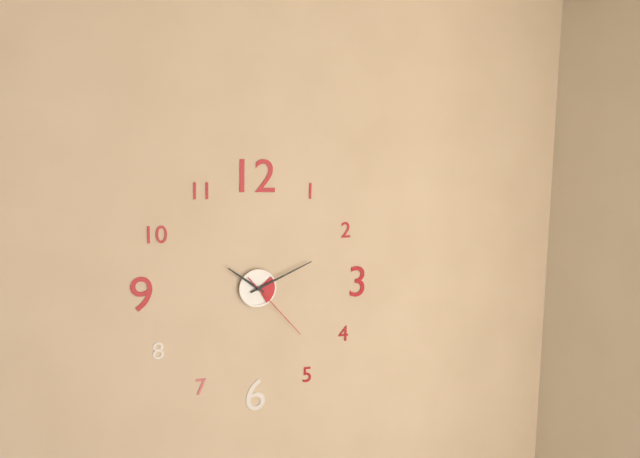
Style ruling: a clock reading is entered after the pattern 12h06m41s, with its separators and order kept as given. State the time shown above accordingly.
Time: 10h11m23s
